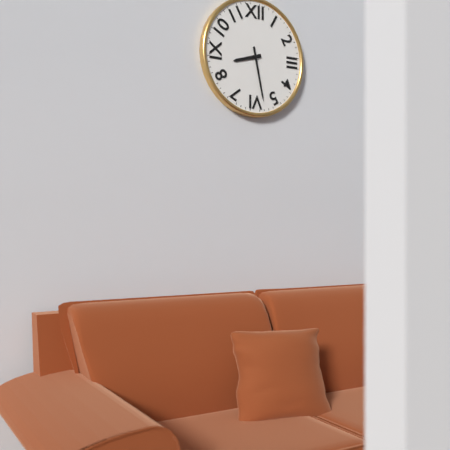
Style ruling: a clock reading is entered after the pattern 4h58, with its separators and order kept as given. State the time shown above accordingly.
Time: 8h28
